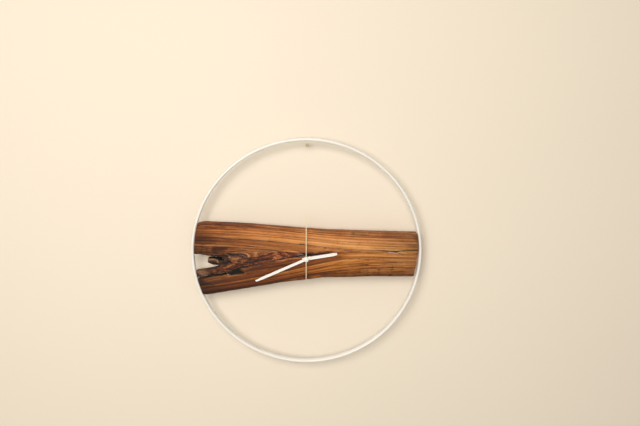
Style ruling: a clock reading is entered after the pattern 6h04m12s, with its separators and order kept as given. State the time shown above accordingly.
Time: 2h41m00s
